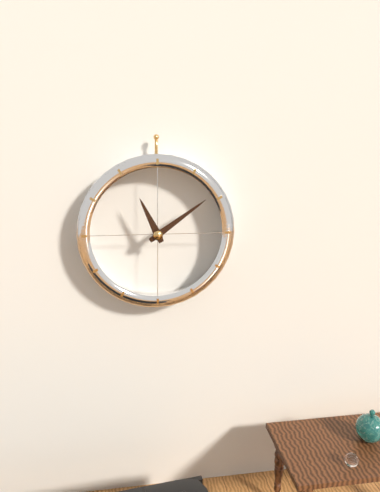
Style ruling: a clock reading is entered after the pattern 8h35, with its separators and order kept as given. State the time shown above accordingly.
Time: 11h09
